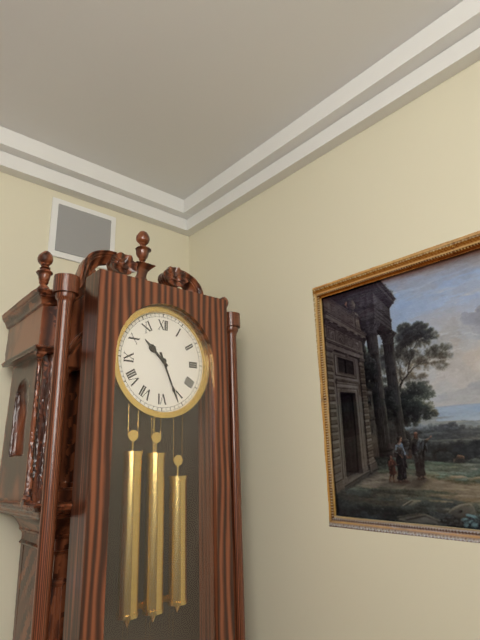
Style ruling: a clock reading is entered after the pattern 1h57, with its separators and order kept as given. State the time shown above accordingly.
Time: 10h26
